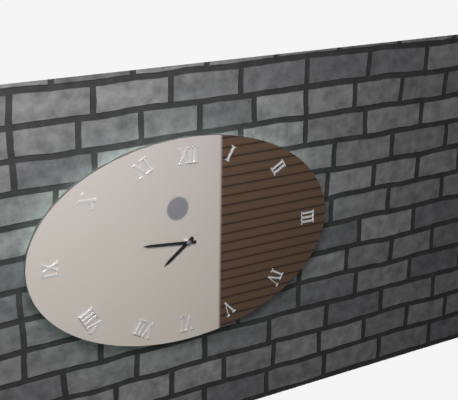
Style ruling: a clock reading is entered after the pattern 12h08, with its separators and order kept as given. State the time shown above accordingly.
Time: 7h46
